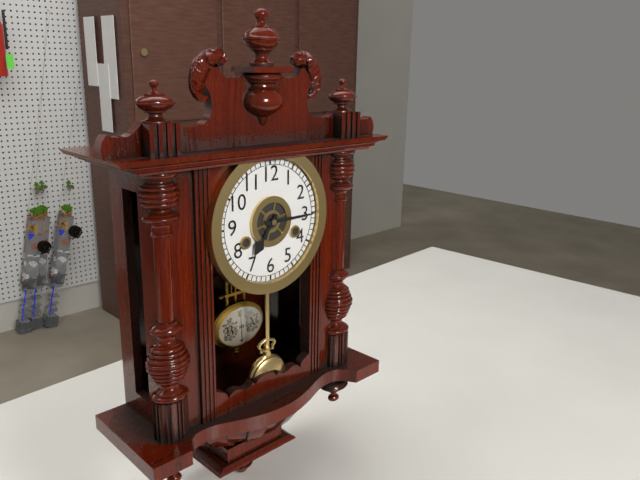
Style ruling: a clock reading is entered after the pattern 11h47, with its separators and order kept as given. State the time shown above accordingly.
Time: 7h15
